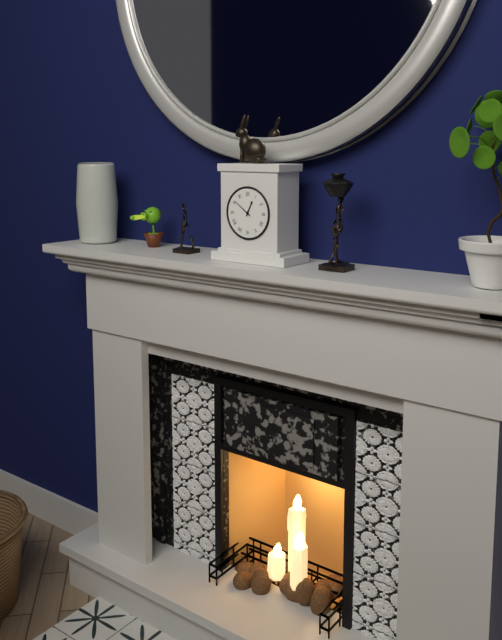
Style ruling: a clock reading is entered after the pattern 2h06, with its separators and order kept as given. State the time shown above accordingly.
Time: 12h51
